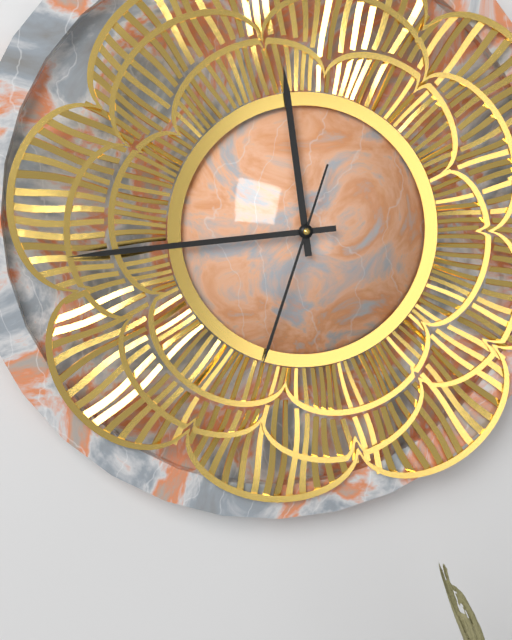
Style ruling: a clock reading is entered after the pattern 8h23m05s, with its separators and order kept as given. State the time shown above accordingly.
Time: 11h44m33s
